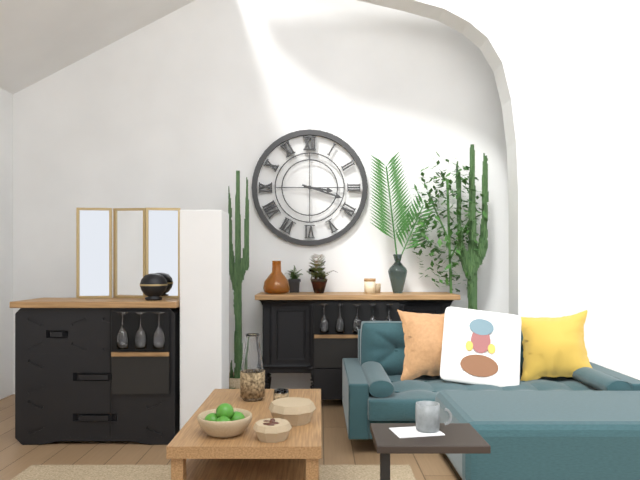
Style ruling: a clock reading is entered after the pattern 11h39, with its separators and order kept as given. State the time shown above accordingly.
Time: 3h18
